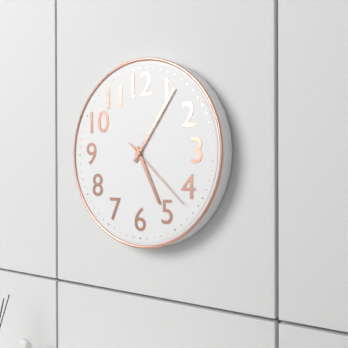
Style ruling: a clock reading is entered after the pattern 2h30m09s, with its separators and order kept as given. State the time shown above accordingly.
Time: 5h06m22s
